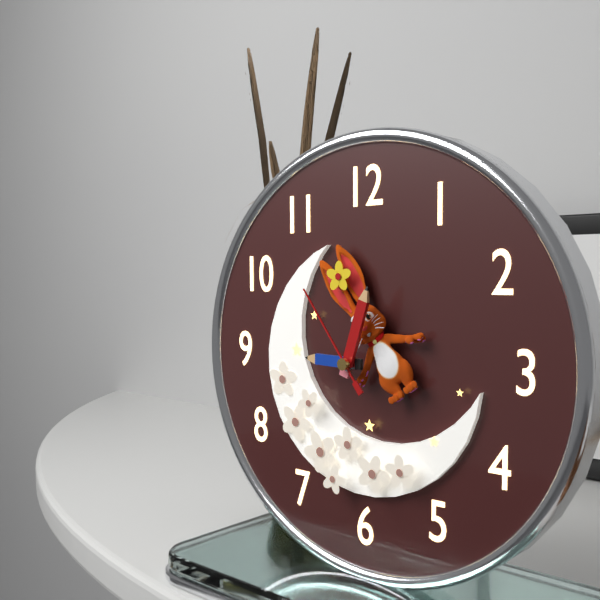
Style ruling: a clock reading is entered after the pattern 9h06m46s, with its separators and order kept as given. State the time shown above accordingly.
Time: 9h03m54s
